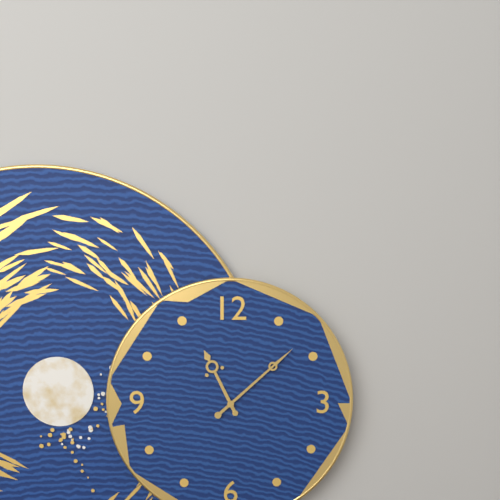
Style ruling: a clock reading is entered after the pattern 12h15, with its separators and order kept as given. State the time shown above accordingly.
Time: 11h08
